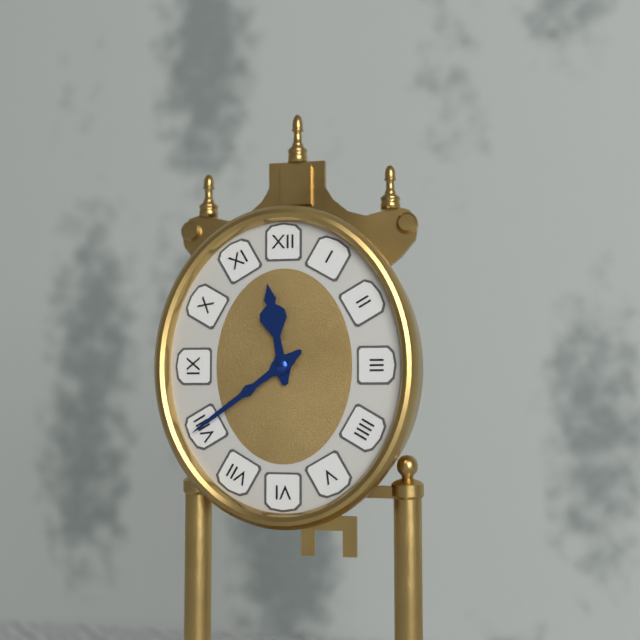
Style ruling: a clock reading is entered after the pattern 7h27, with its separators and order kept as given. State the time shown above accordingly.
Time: 11h39
